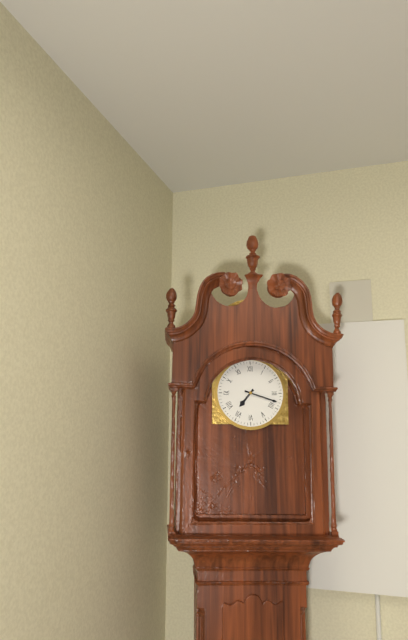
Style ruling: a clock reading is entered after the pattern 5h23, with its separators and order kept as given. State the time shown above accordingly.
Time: 7h18
